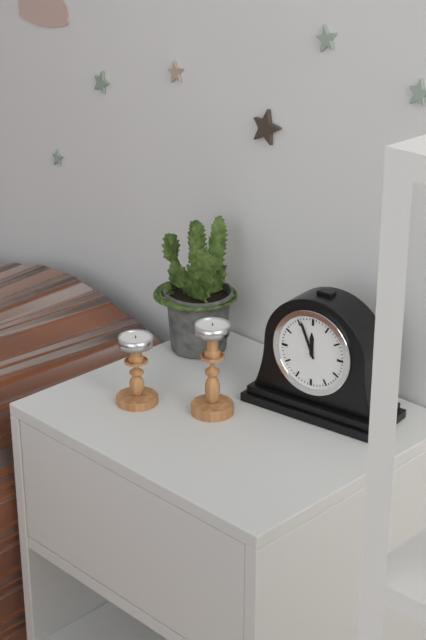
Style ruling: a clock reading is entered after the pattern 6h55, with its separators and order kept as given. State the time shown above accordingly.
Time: 11h56
